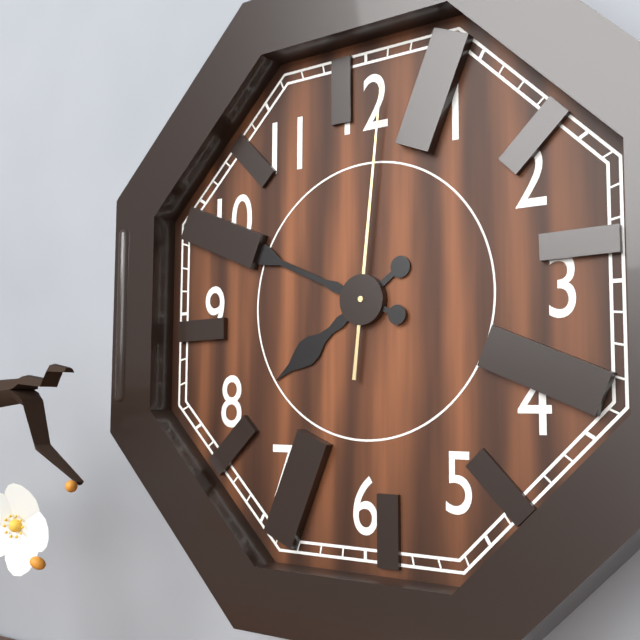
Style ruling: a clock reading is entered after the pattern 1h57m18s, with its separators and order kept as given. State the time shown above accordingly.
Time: 7h49m01s
